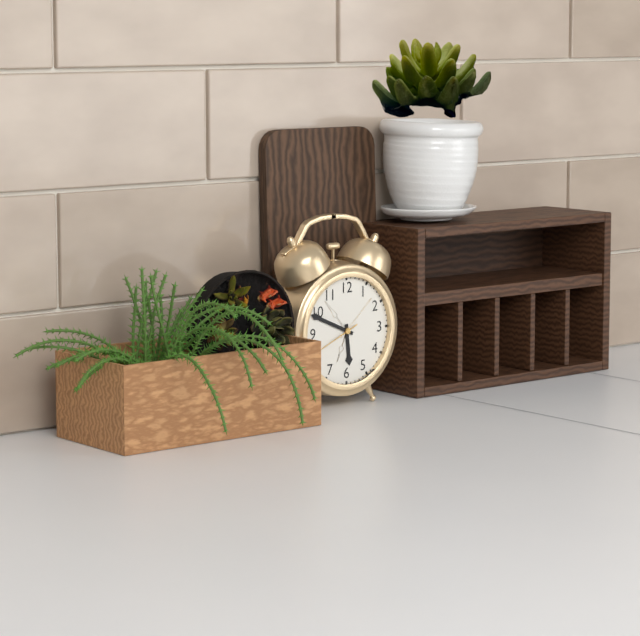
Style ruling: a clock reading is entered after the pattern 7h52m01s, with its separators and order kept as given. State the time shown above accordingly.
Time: 5h49m41s
